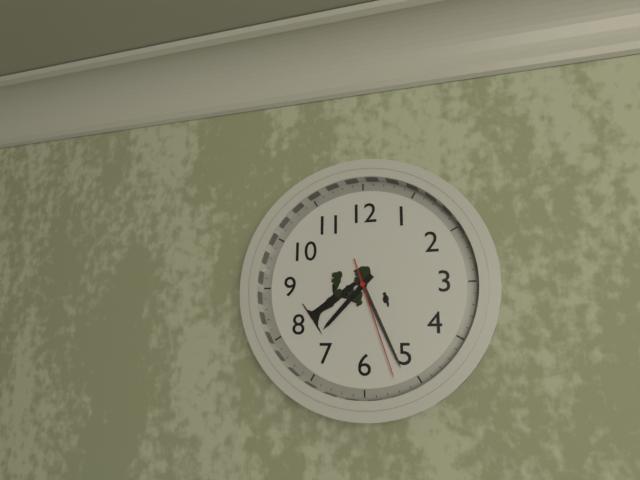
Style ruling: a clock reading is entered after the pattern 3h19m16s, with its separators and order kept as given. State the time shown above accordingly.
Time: 7h26m27s
